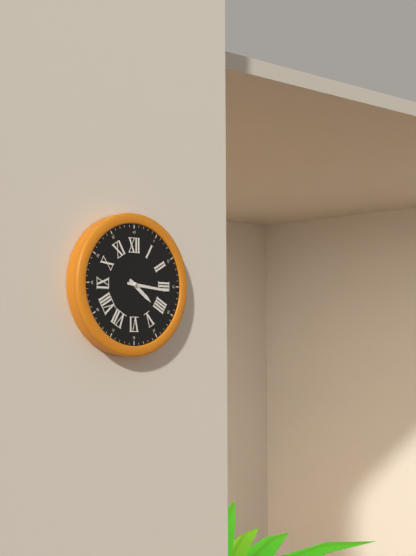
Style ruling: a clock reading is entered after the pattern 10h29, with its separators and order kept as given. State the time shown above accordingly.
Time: 4h16
